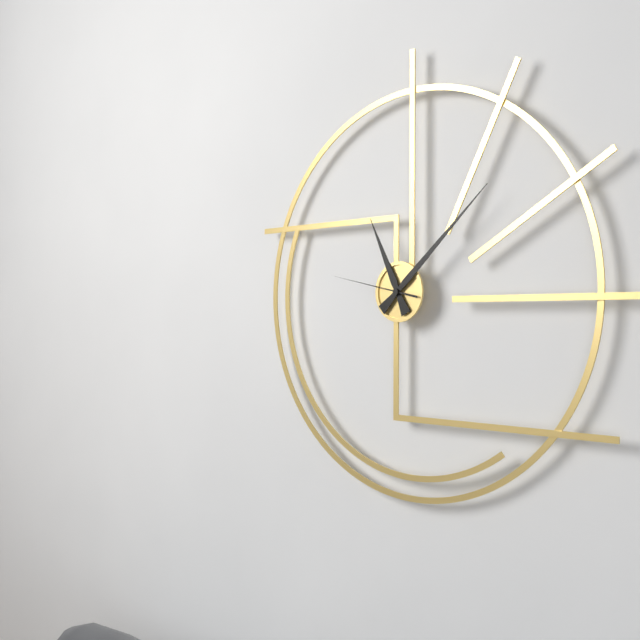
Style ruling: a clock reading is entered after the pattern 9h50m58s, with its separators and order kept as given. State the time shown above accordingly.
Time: 11h08m47s
